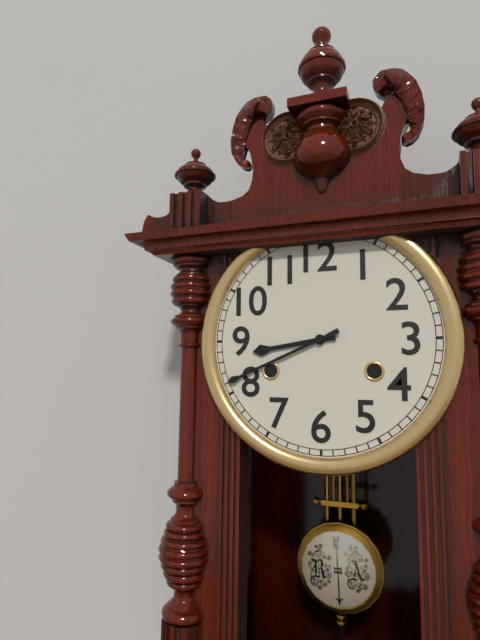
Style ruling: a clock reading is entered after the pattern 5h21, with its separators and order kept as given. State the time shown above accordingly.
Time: 8h41
